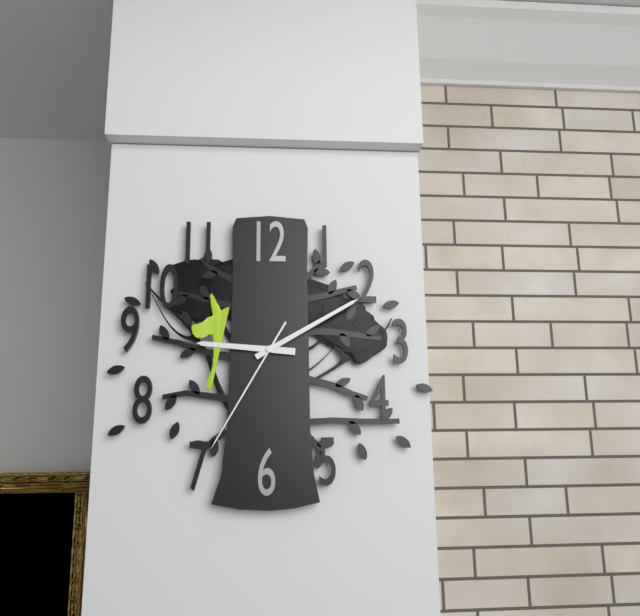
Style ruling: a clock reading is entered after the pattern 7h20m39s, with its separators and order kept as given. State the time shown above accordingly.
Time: 9h10m35s
